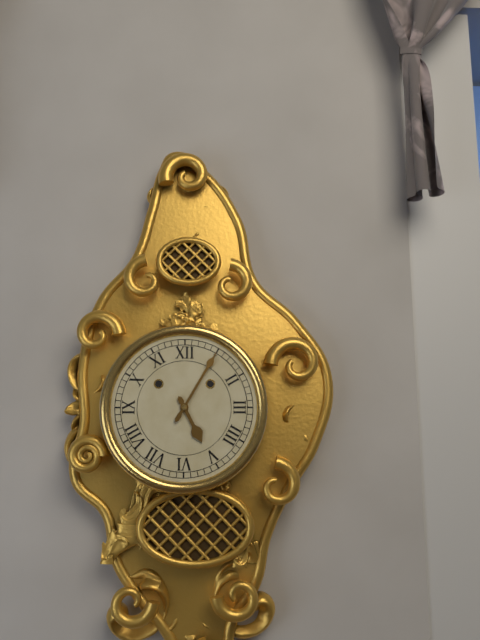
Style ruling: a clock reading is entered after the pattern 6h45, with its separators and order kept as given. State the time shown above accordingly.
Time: 5h05
